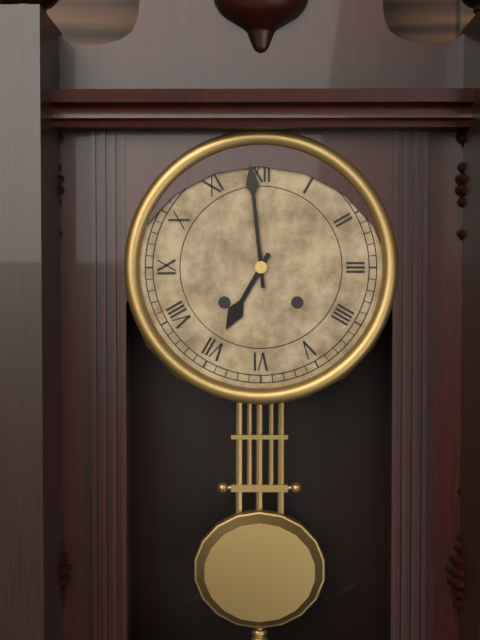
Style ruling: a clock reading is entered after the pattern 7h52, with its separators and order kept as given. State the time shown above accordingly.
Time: 6h59
